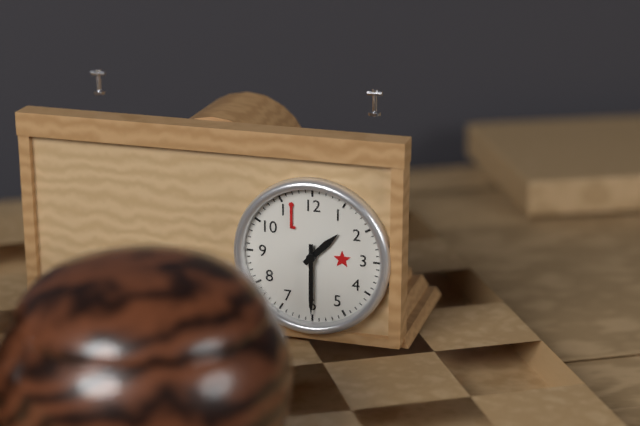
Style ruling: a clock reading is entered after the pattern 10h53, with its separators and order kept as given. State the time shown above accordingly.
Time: 1h30
